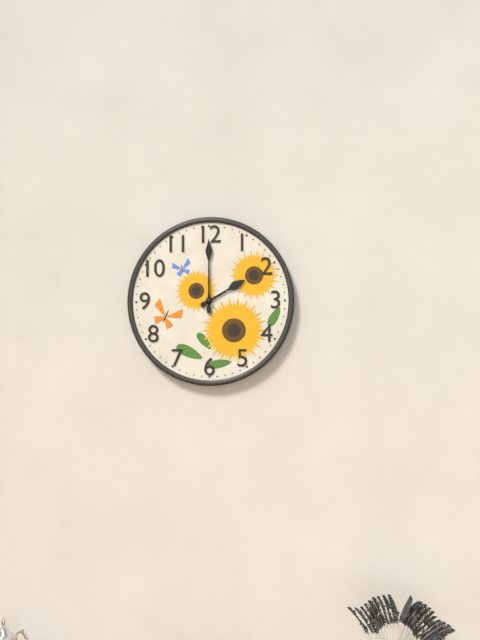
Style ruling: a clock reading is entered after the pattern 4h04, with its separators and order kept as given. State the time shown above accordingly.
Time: 2h00
